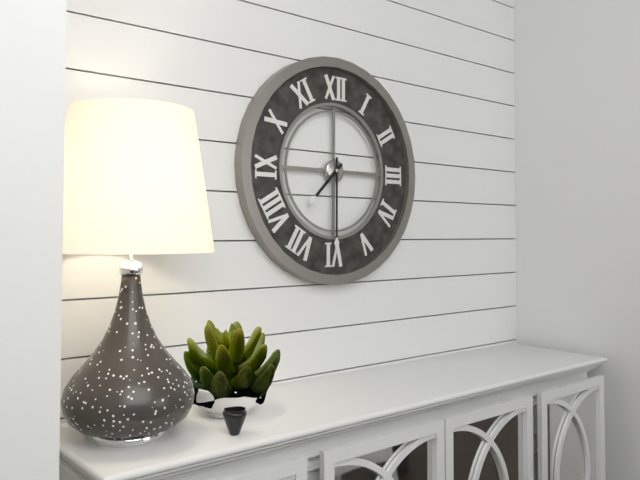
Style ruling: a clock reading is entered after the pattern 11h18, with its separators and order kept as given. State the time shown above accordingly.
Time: 7h30
